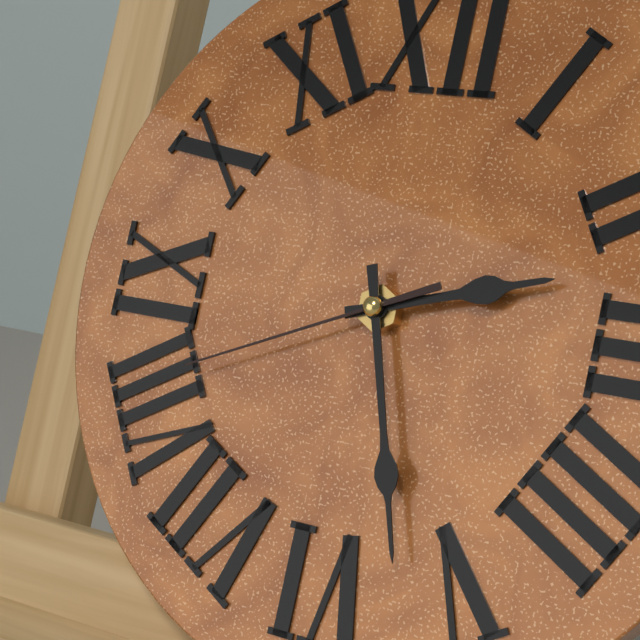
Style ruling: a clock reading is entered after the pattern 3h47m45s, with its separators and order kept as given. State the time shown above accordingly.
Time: 2h27m41s
